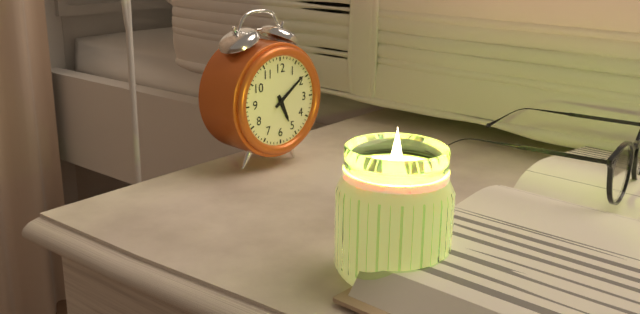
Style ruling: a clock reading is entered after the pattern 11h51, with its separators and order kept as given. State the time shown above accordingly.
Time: 5h09
